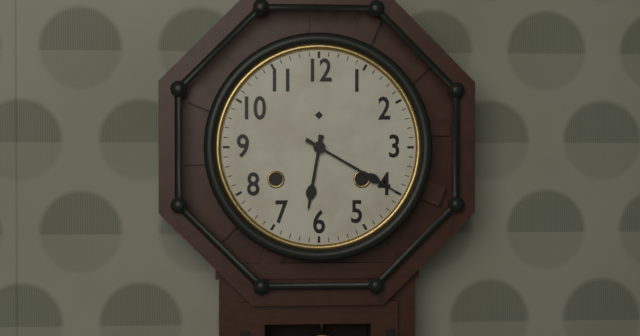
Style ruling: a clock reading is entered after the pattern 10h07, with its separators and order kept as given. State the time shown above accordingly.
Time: 6h20
